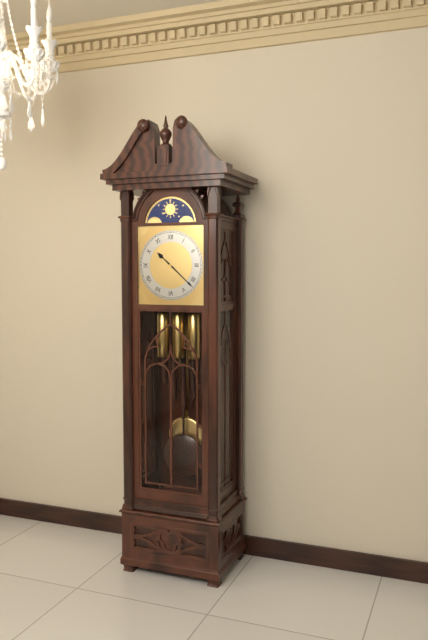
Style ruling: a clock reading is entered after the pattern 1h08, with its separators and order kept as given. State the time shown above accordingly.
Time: 10h22
